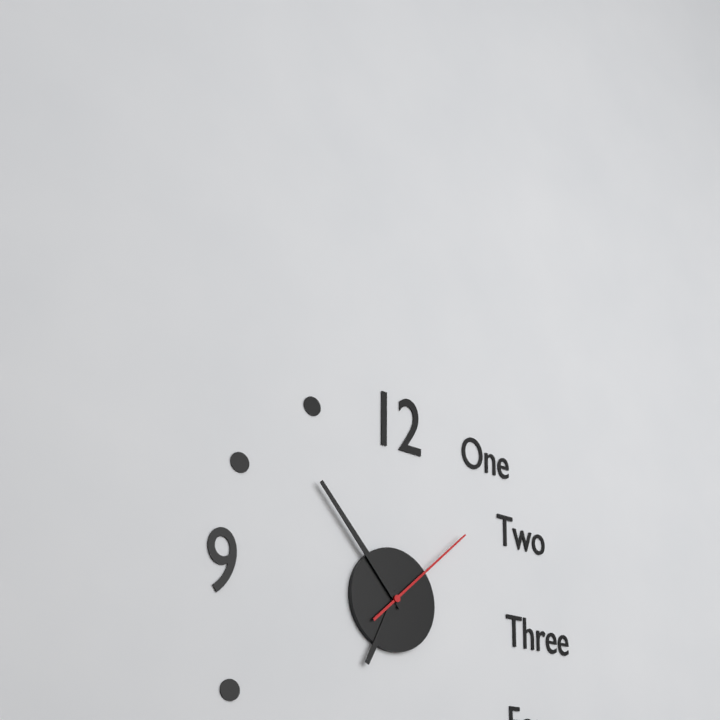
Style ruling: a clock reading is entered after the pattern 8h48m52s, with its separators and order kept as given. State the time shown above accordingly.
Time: 6h53m08s
